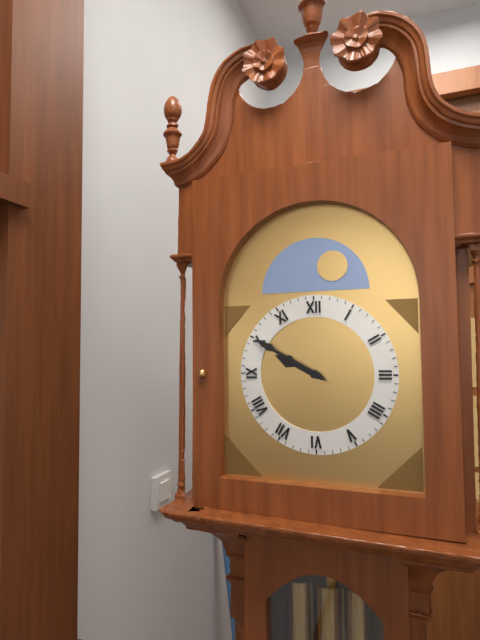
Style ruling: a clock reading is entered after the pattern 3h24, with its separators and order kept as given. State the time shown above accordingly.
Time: 9h50
